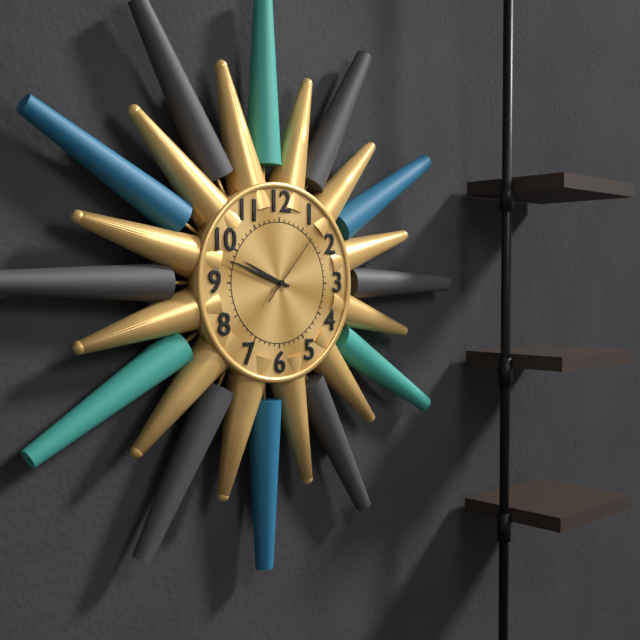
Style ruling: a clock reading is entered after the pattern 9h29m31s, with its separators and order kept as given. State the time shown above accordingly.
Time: 9h48m07s
